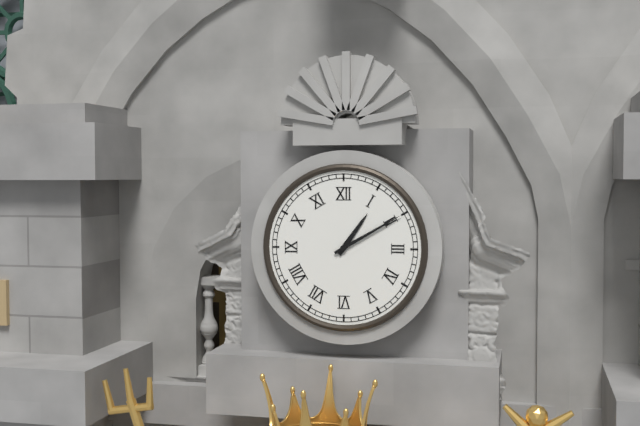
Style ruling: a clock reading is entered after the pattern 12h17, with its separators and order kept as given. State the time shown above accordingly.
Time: 1h10
